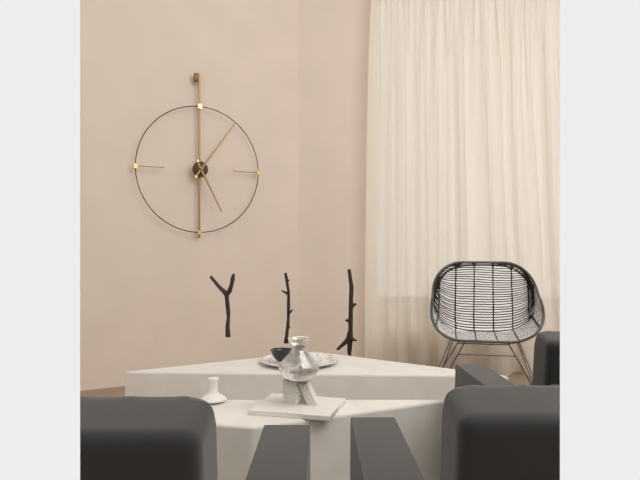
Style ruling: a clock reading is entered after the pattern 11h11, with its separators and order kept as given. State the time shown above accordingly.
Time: 5h06
